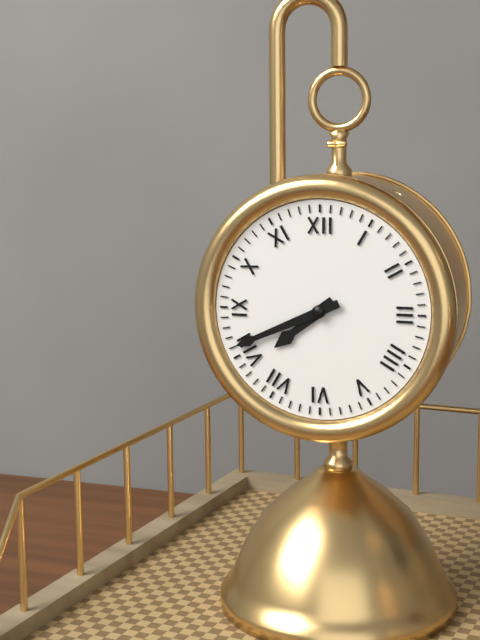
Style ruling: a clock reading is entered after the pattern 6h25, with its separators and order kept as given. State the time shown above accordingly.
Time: 7h41
